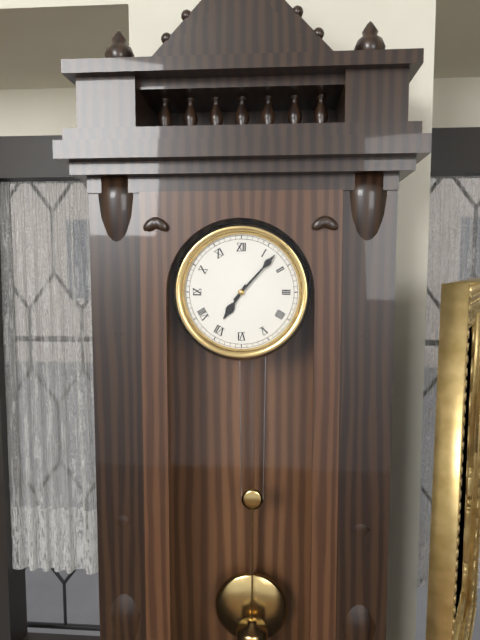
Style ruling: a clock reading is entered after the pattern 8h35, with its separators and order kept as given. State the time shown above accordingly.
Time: 7h07
